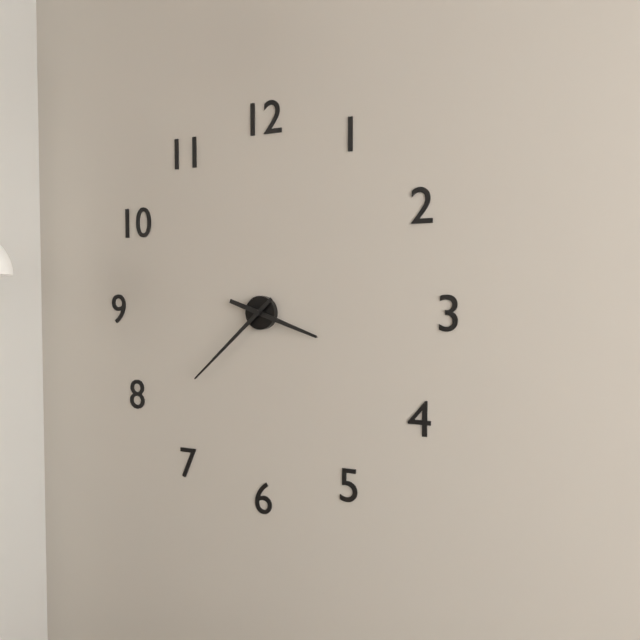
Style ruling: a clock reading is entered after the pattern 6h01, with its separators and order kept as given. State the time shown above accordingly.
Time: 3h38
